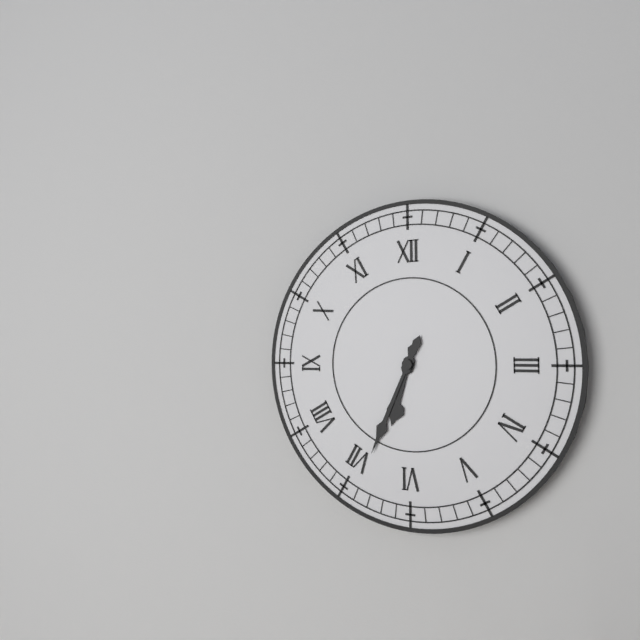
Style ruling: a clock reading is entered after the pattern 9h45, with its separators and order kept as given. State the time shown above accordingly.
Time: 6h34
